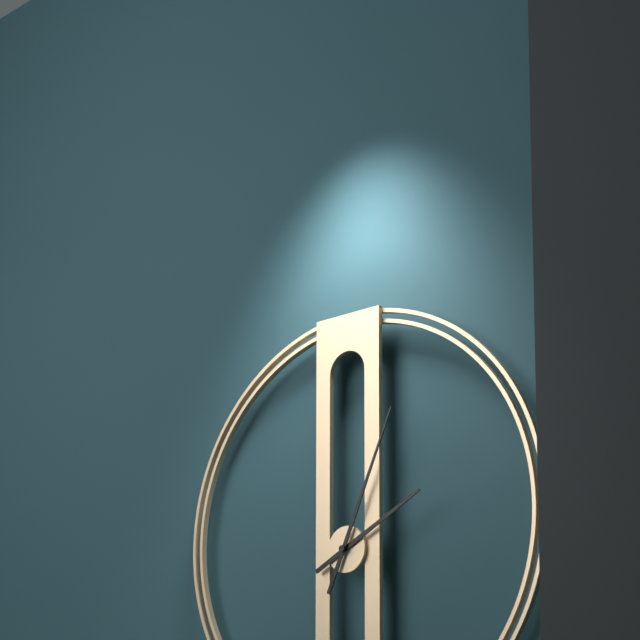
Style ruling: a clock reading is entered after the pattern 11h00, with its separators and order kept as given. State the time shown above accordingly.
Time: 2h04
